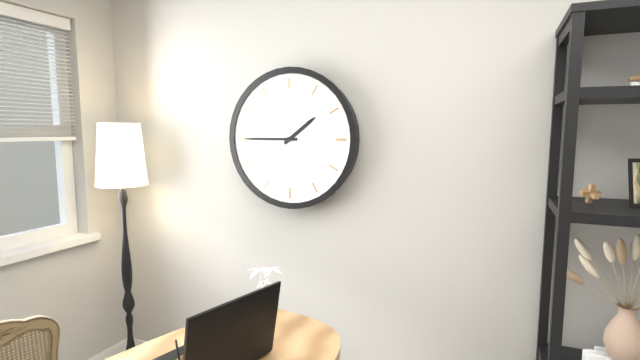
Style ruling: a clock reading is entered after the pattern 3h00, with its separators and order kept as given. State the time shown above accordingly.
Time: 1h45
